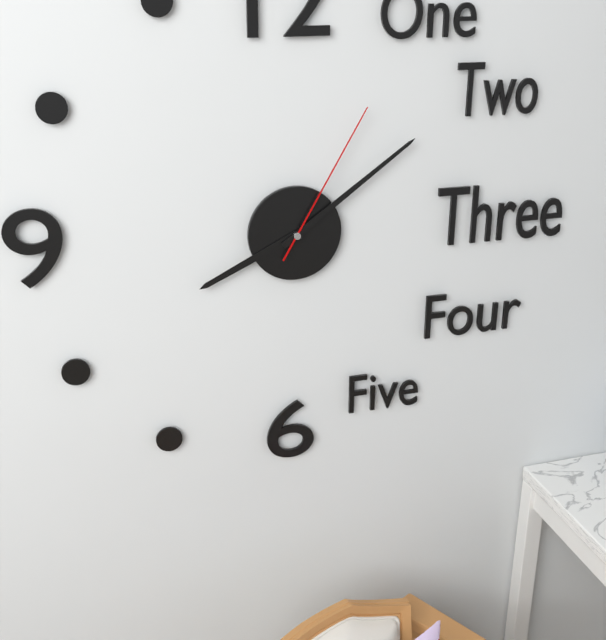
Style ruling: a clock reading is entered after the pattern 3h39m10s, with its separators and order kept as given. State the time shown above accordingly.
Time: 8h09m05s
